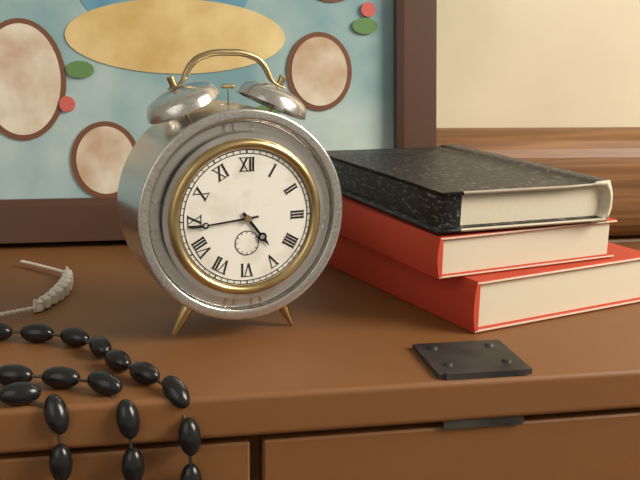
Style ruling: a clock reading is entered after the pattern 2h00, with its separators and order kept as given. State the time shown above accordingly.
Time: 4h44
